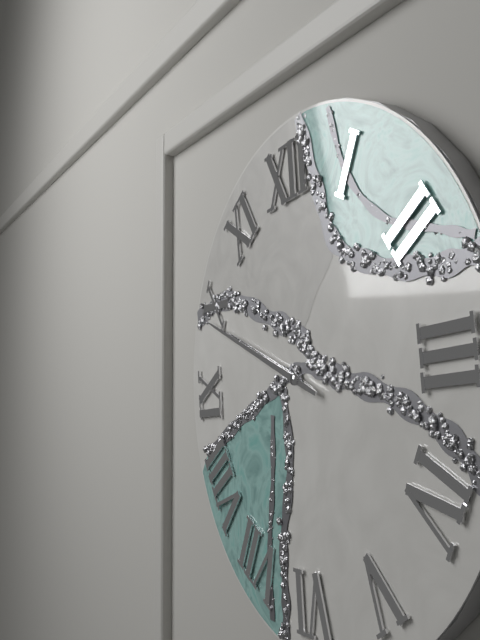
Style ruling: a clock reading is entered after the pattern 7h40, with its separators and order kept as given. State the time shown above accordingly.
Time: 9h49
